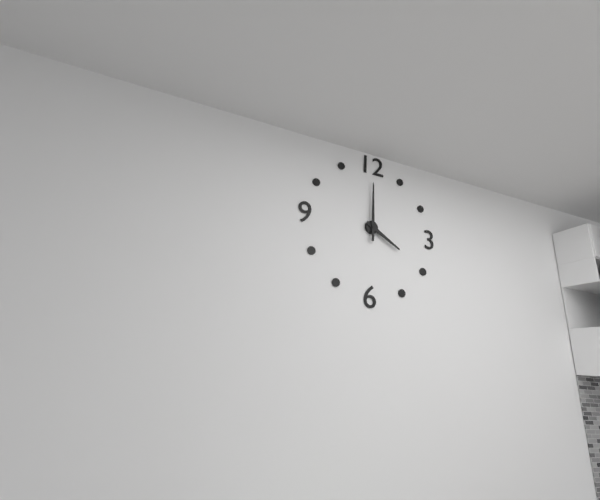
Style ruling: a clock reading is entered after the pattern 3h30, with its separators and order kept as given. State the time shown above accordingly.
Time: 4h00
